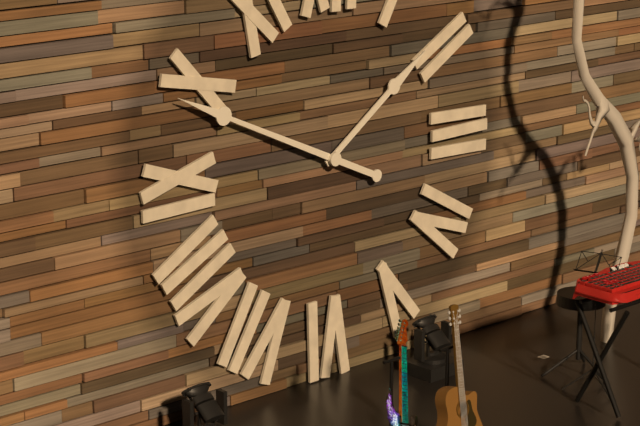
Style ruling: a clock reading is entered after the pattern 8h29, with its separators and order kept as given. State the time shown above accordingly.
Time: 1h49
